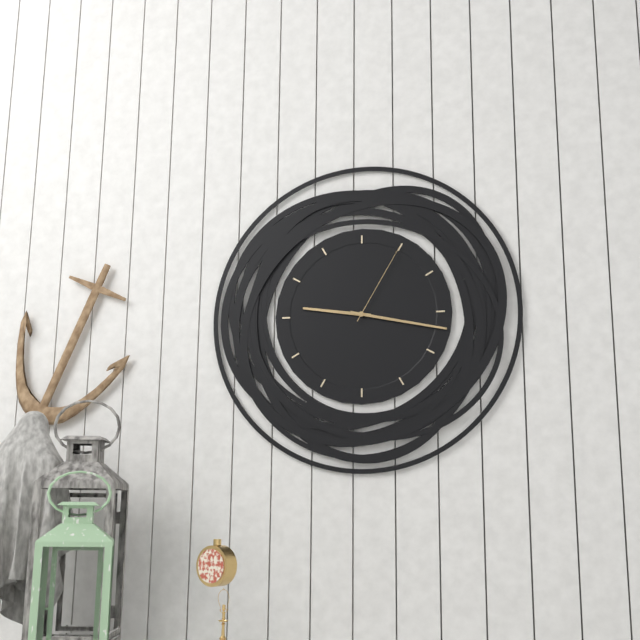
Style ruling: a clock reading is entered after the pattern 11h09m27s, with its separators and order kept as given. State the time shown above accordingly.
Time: 9h17m05s
